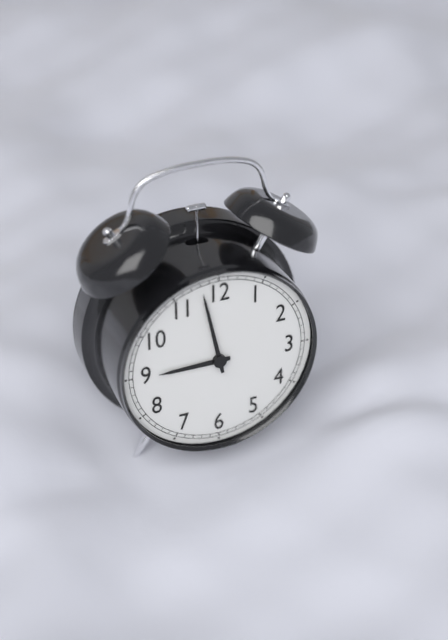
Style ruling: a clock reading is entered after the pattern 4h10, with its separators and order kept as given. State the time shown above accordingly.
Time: 8h58
